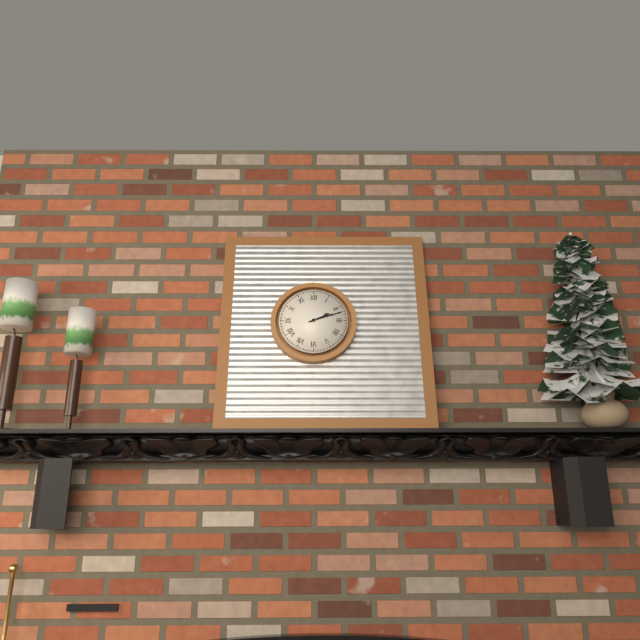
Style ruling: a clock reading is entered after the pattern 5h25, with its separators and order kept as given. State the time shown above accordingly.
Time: 2h12
